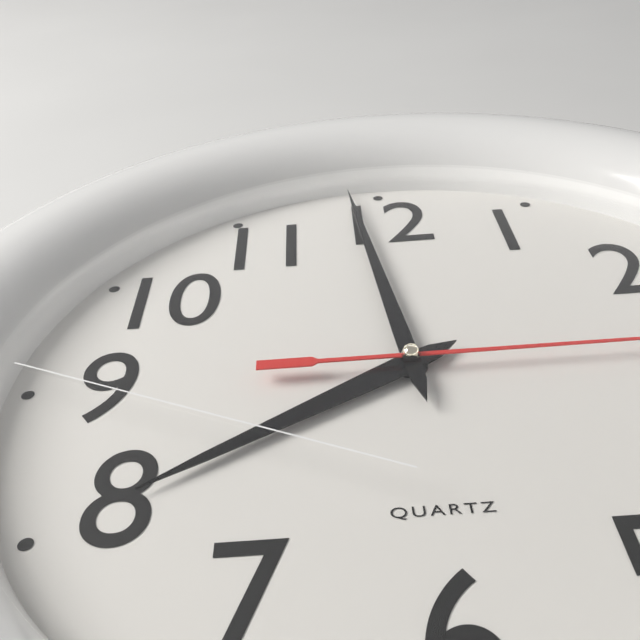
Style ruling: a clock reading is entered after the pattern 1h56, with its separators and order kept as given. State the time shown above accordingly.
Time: 7h59
